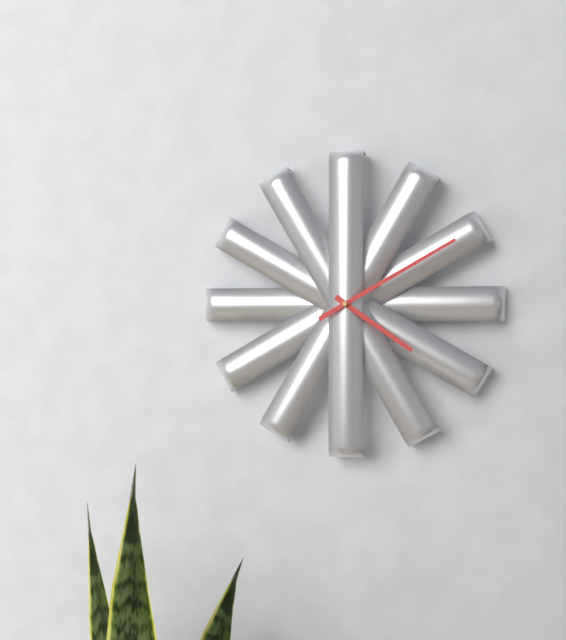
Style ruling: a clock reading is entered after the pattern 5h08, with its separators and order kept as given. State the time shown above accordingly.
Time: 4h10
